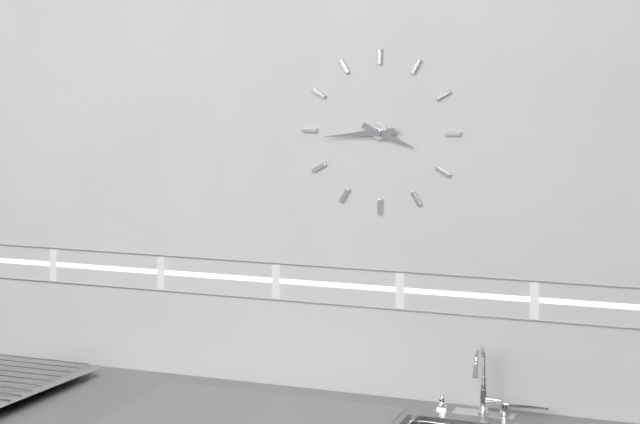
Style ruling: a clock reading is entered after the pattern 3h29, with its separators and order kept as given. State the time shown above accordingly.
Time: 3h44
